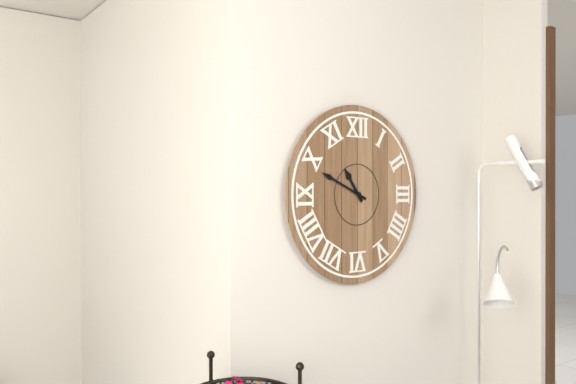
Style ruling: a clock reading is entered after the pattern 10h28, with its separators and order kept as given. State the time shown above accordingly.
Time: 10h49
